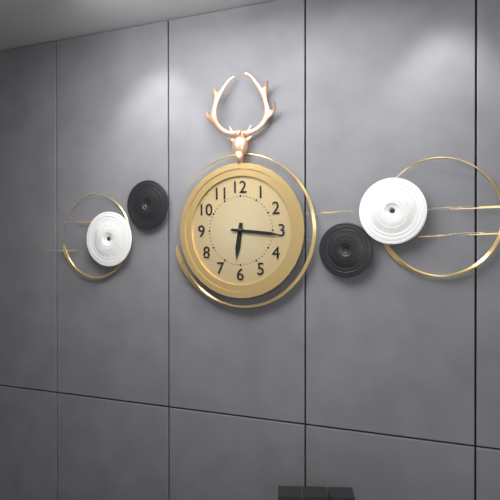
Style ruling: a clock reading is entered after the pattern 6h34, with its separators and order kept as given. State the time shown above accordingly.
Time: 6h16
